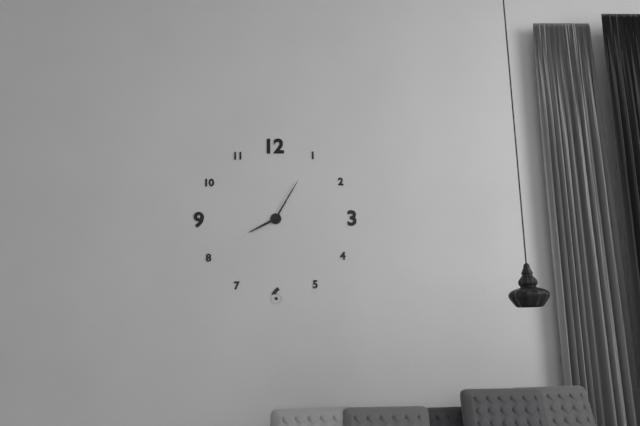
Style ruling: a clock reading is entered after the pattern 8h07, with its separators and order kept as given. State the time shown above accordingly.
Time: 8h05
